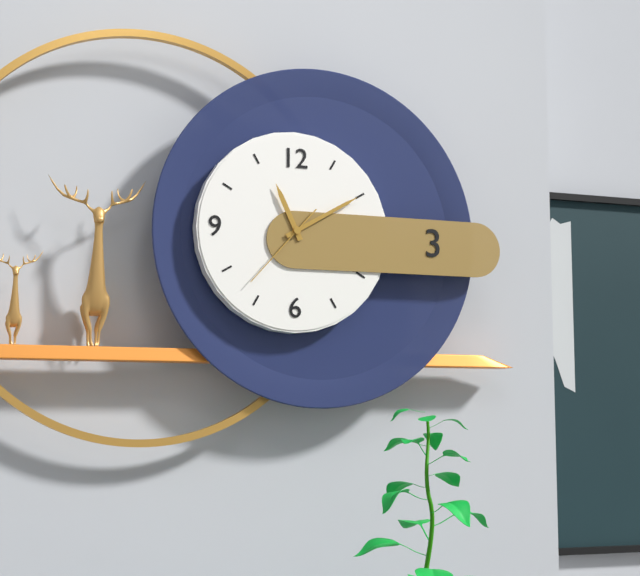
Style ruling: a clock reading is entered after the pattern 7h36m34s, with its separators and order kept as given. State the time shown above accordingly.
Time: 11h10m37s
